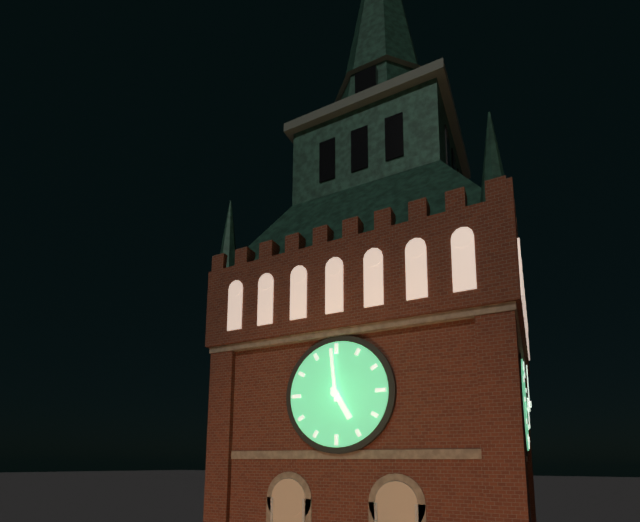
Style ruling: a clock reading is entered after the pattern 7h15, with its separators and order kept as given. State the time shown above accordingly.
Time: 4h59
